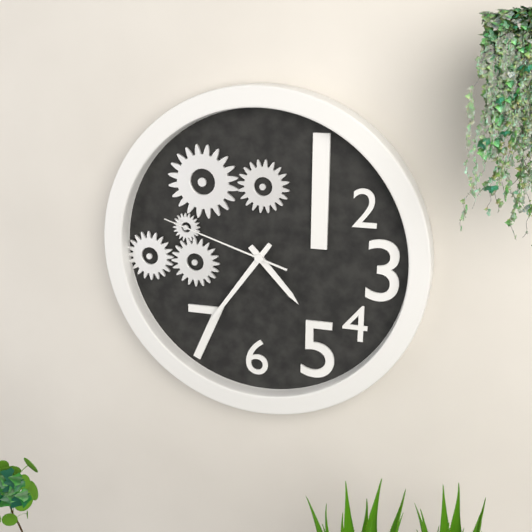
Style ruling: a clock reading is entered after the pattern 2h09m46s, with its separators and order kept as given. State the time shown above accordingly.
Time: 4h36m48s
